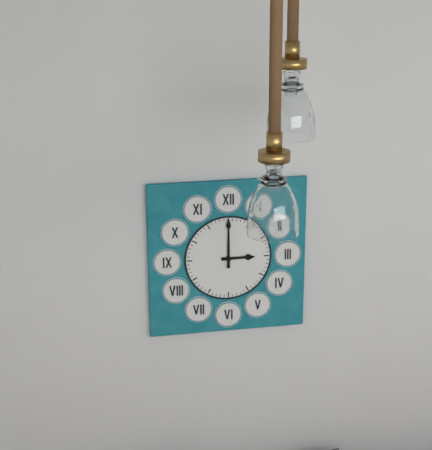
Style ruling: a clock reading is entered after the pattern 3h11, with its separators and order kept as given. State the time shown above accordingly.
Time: 3h00
